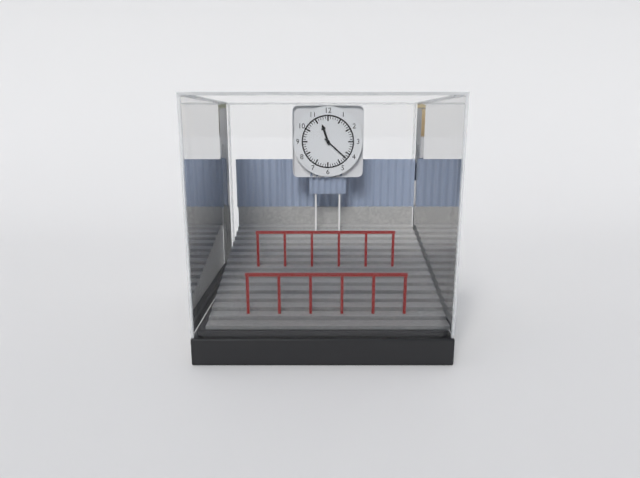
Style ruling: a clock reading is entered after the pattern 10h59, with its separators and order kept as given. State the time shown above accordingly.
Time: 11h22
